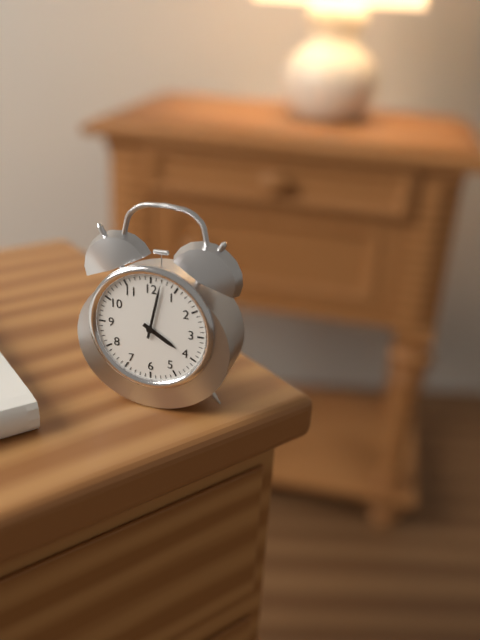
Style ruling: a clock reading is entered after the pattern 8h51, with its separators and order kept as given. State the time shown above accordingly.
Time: 4h02
